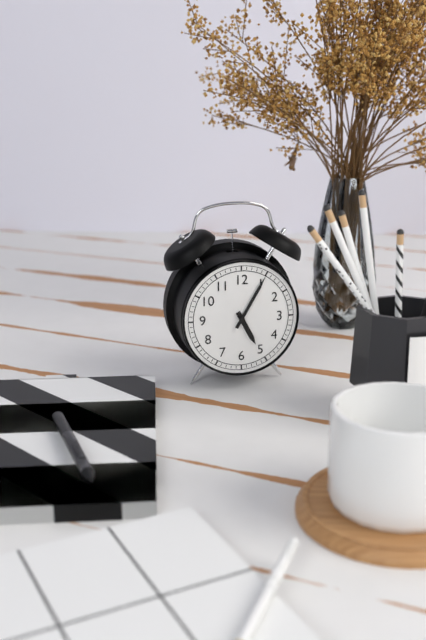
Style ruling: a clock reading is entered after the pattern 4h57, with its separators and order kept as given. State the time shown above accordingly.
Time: 5h05
